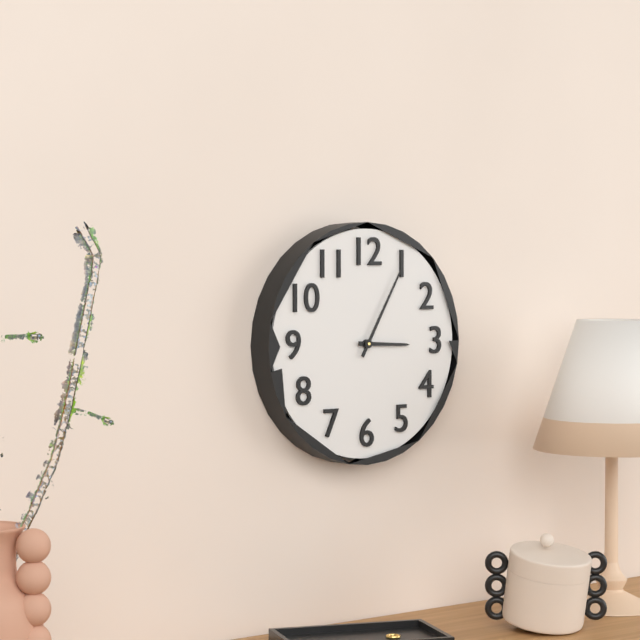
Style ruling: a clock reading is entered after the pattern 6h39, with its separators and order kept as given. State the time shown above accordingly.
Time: 3h05
